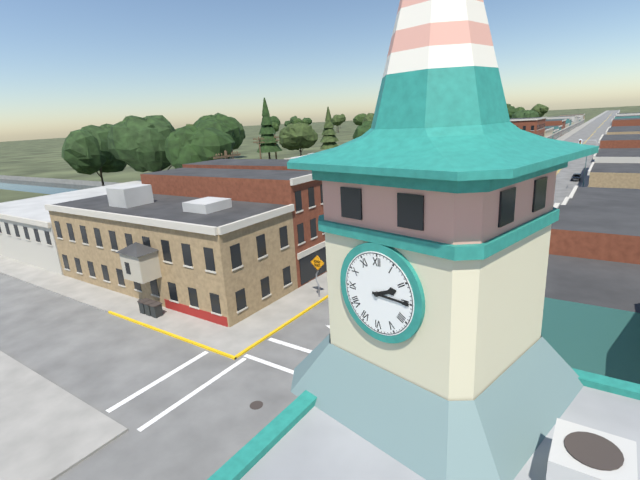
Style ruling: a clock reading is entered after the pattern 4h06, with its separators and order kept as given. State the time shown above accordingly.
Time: 2h15
